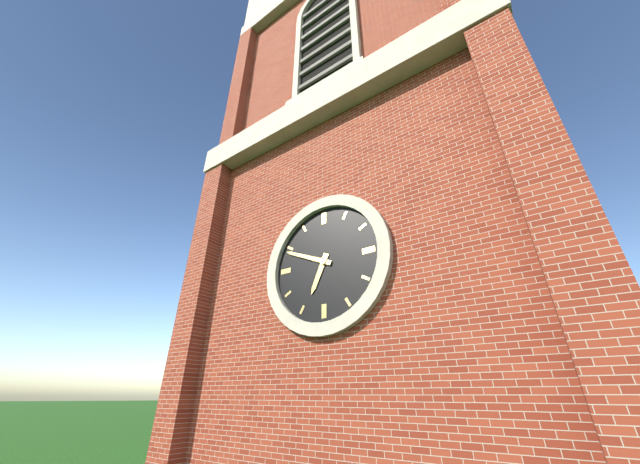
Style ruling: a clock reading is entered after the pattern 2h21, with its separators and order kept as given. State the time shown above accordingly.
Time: 6h49
